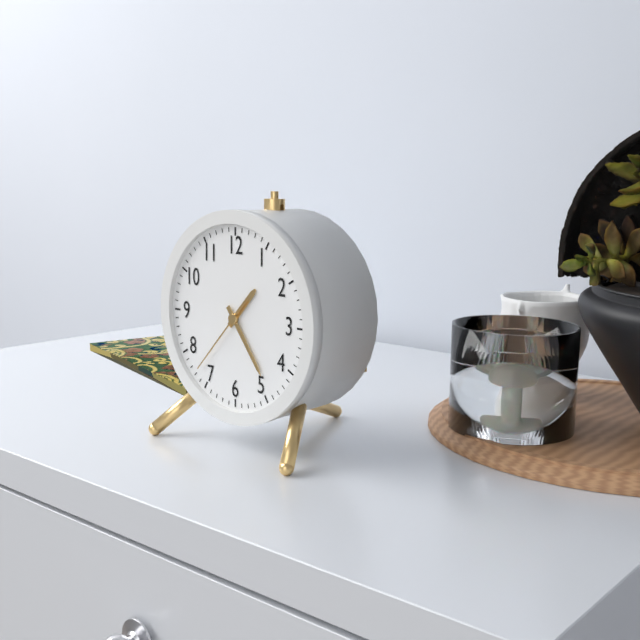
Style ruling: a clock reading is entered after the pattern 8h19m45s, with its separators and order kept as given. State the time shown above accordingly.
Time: 1h24m37s
